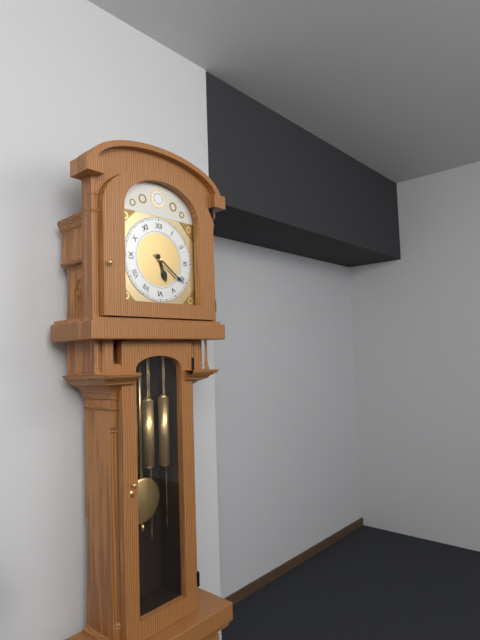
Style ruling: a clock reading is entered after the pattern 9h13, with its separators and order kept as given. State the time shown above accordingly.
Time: 5h21
